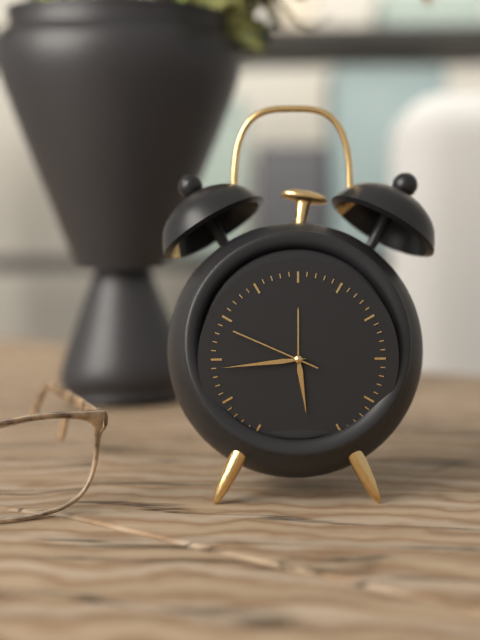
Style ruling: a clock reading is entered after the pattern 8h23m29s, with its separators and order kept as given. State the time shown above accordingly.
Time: 5h44m49s
